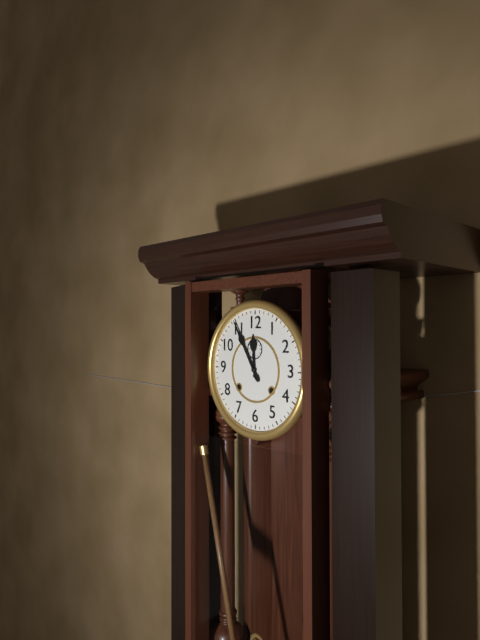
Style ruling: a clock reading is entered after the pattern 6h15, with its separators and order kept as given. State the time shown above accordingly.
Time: 11h55
